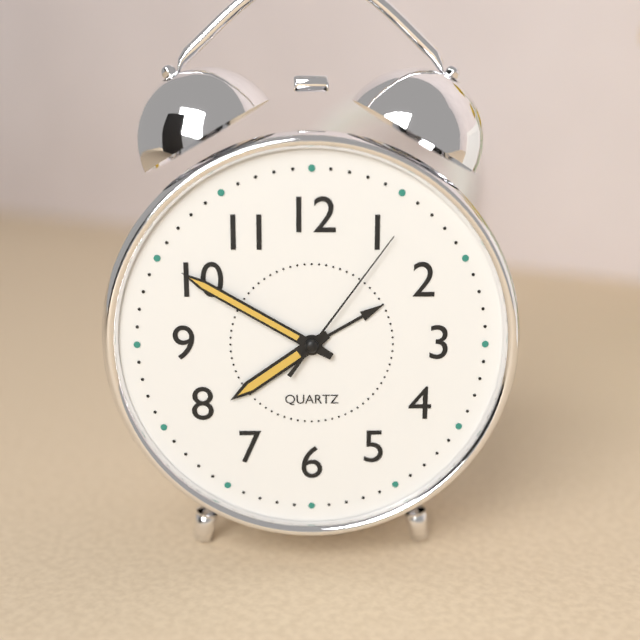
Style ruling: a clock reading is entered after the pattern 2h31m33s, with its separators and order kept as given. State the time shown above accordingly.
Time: 7h50m06s
